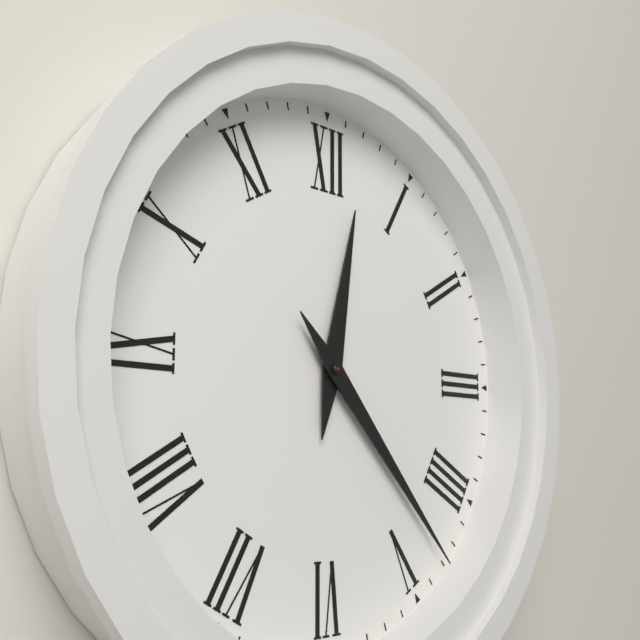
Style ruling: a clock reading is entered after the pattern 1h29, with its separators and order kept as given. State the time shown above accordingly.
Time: 12h23
